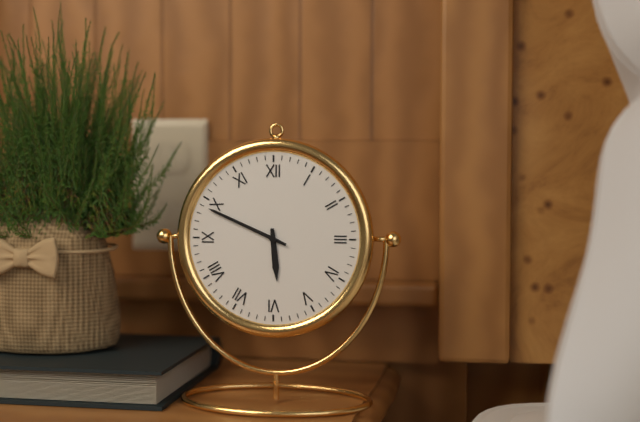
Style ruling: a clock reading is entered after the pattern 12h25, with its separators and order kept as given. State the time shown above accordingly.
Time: 5h49
